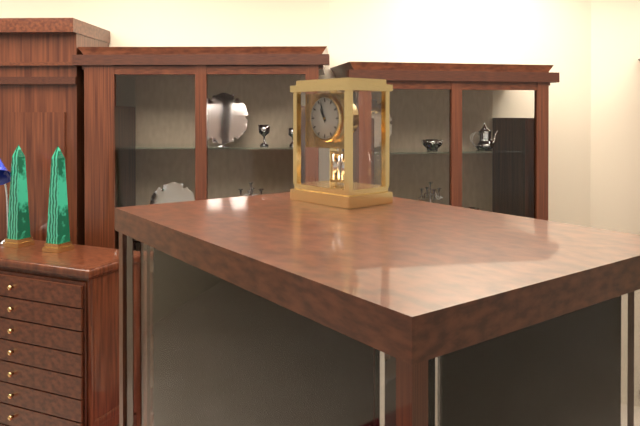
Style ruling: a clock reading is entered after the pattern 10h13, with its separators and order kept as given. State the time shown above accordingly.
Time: 10h57
